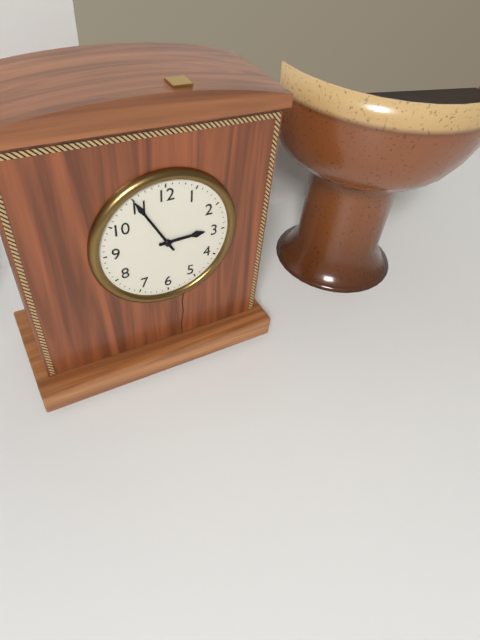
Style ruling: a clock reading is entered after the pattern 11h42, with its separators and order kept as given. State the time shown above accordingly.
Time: 2h55
